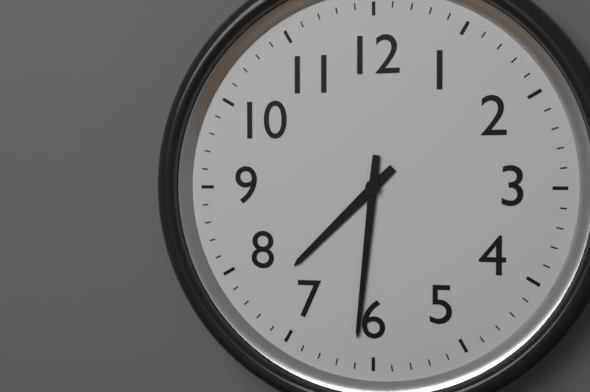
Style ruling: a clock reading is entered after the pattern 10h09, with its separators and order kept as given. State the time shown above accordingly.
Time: 7h31
